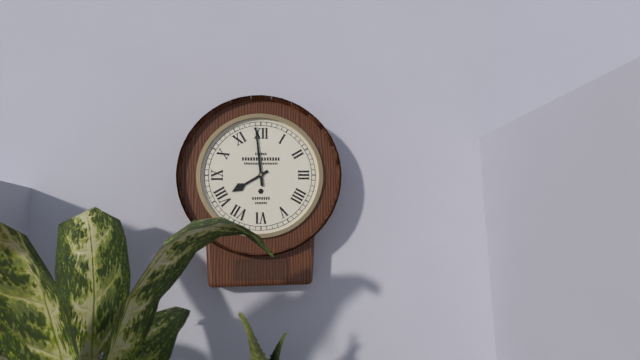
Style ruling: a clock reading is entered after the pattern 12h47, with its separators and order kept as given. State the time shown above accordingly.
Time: 7h59
